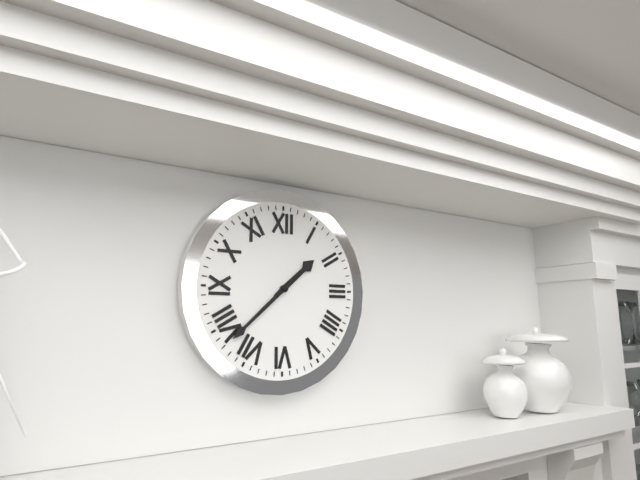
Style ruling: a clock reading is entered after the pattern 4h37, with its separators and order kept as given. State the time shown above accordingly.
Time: 1h38
